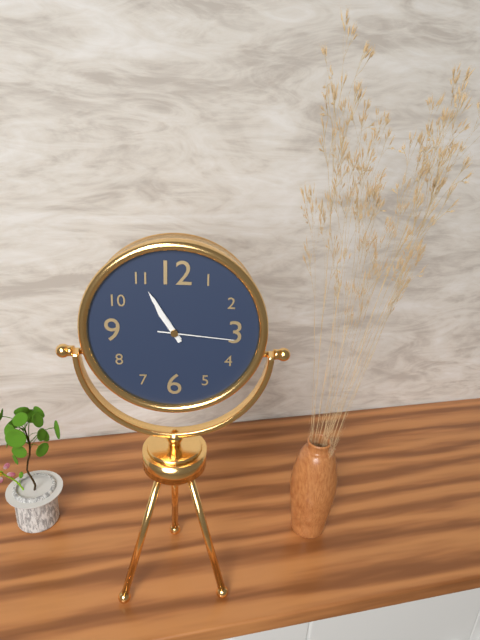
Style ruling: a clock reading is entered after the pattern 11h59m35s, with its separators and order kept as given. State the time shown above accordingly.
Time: 10h55m16s
